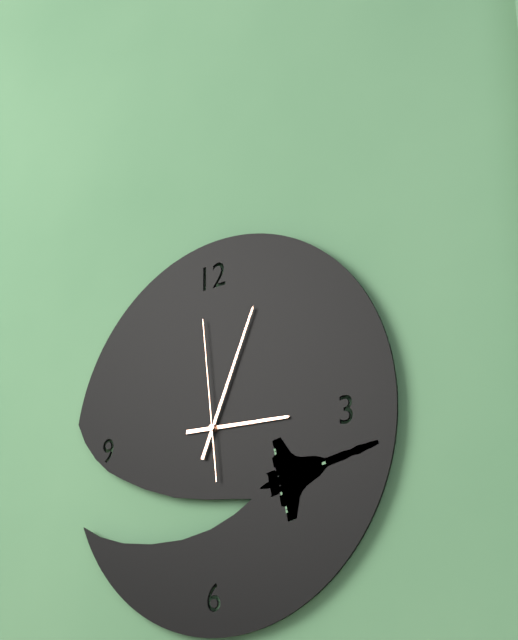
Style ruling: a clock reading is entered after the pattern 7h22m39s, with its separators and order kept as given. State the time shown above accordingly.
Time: 3h04m59s
